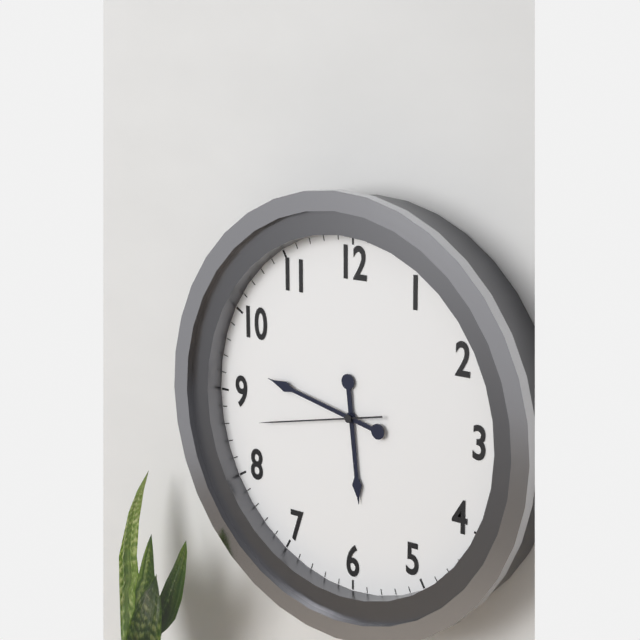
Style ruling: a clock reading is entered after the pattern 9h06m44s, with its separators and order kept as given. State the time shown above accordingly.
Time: 5h47m43s
